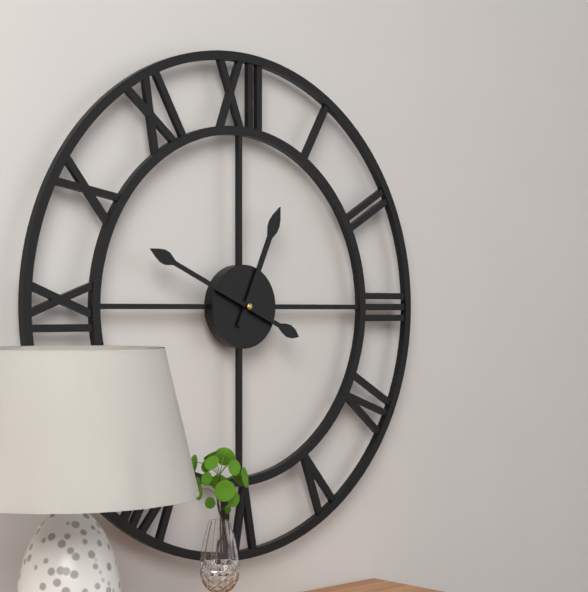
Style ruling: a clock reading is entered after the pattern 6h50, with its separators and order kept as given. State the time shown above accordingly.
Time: 12h49
